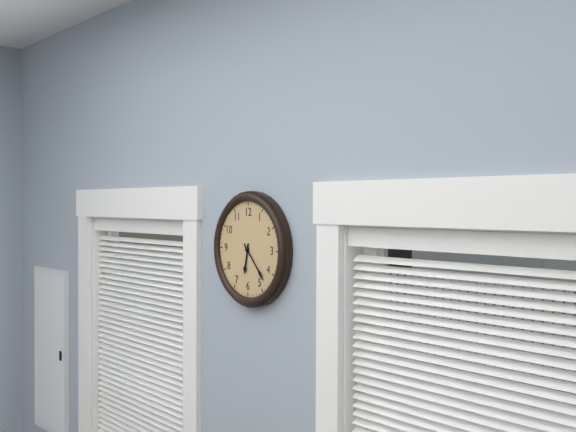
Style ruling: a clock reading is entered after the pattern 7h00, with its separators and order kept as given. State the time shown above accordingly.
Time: 6h23
